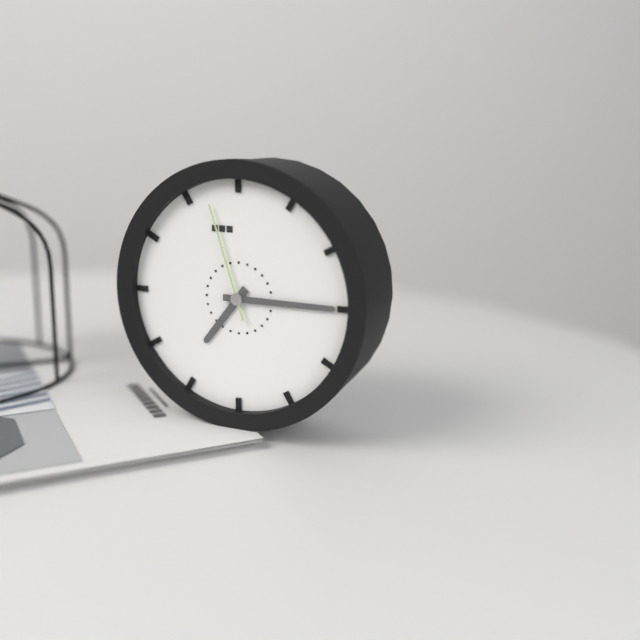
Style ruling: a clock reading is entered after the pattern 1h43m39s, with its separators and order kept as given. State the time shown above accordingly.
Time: 7h15m57s
